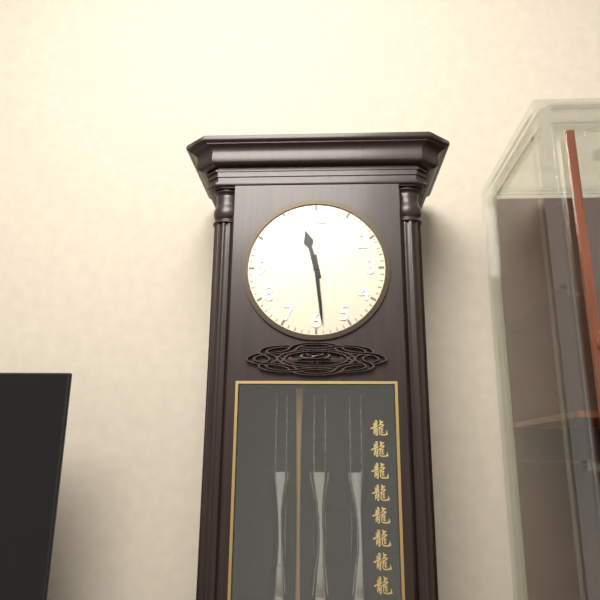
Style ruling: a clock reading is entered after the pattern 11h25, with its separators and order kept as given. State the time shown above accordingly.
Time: 11h29
